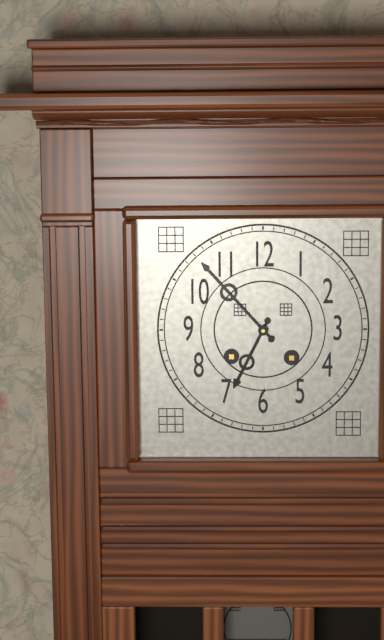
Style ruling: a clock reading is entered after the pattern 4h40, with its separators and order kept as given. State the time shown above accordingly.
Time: 6h53
